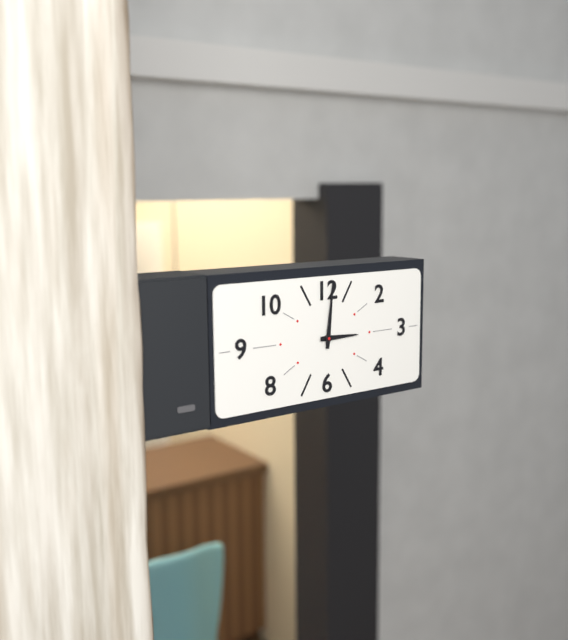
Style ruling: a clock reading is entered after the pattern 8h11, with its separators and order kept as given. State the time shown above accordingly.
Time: 3h01
